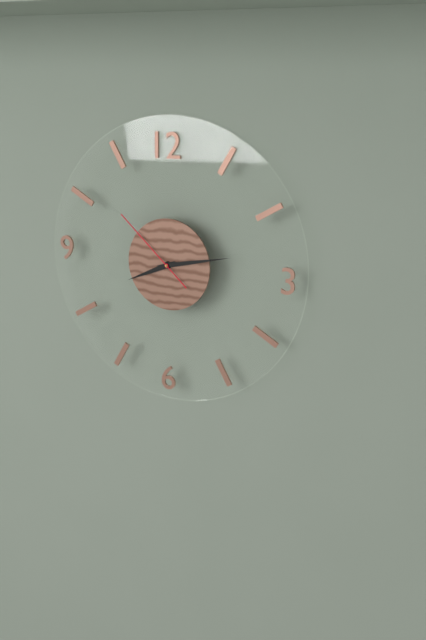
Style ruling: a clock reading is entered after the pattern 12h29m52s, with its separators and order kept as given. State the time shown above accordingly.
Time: 8h13m52s
